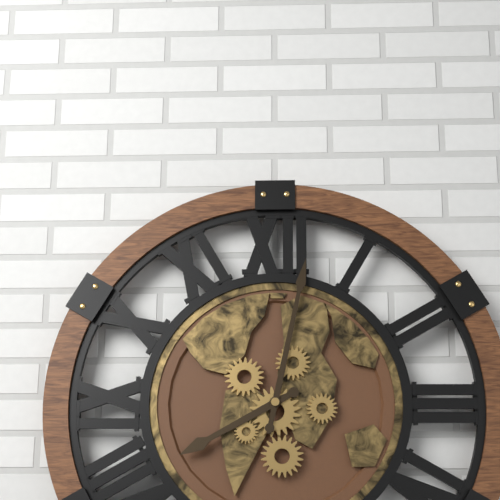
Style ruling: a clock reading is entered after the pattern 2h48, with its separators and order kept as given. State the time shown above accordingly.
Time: 8h02
